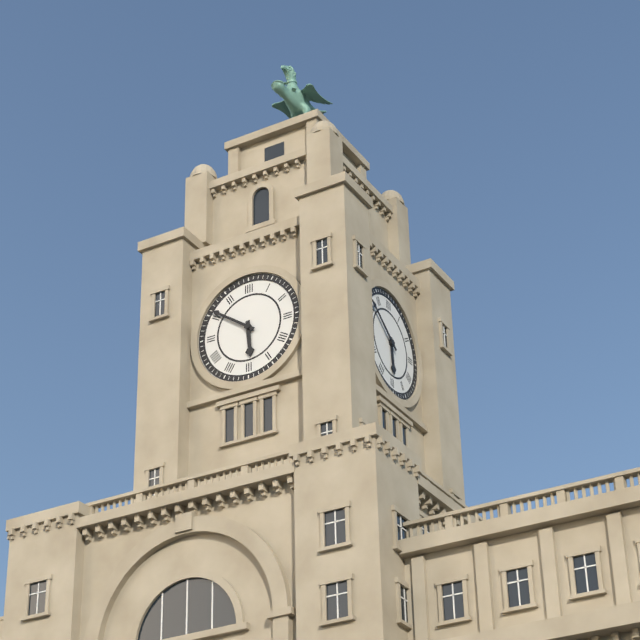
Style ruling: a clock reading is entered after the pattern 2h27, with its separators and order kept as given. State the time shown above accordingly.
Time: 5h51
